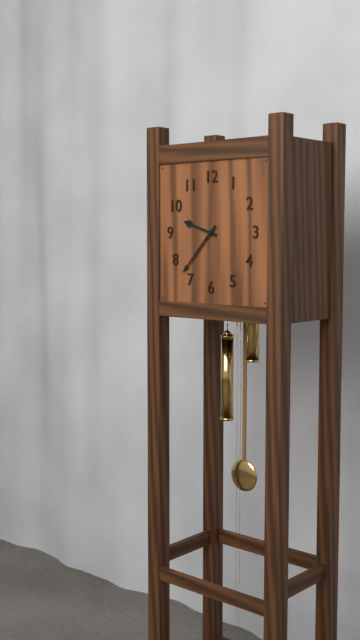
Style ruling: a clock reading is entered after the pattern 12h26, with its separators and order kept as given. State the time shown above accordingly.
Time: 9h37
